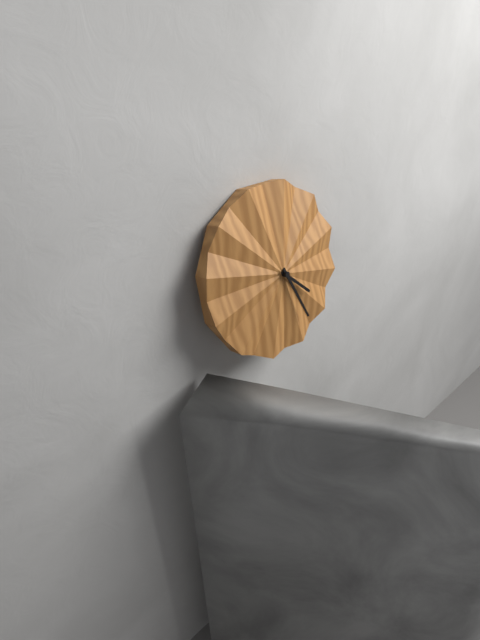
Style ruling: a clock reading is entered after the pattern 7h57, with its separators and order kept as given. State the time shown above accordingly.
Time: 4h26
